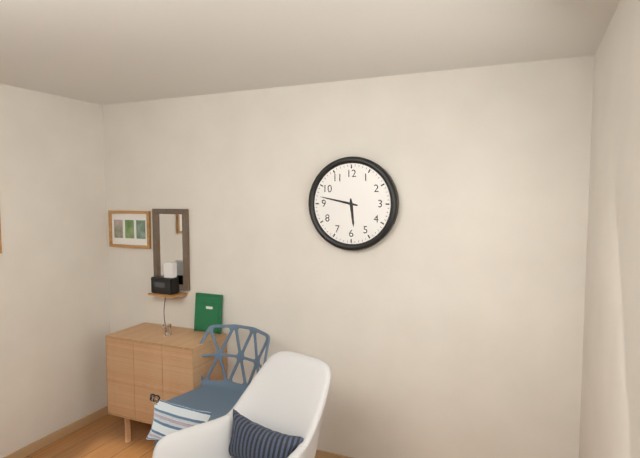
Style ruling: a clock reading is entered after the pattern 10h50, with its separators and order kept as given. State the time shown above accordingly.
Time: 5h47
